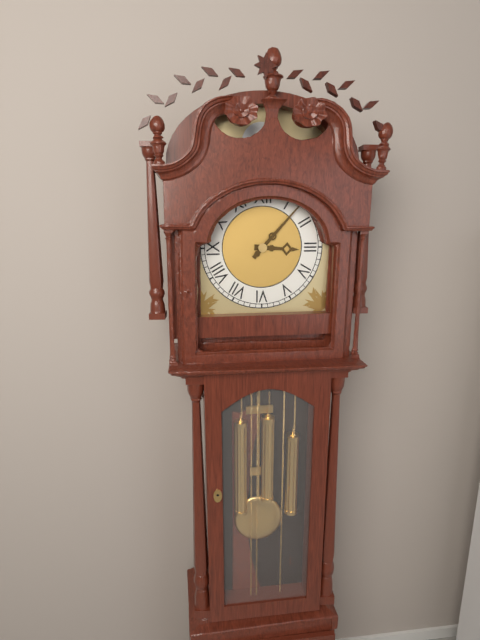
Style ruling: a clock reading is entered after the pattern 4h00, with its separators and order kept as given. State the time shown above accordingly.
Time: 3h07
